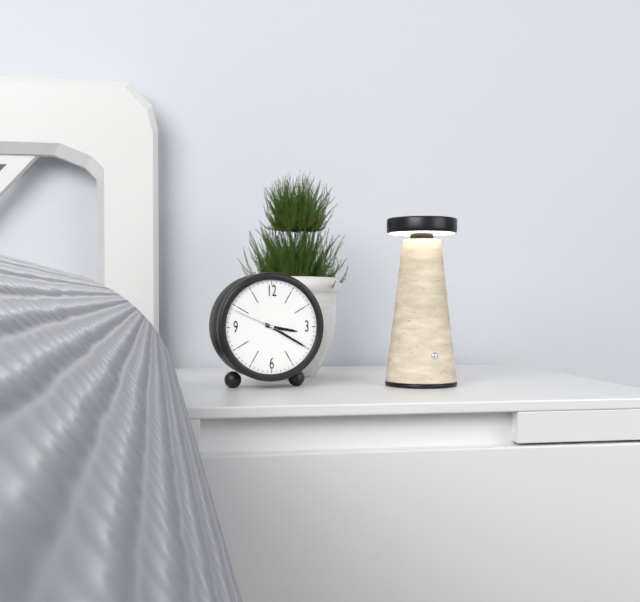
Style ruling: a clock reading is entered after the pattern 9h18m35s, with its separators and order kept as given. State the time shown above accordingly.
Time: 3h20m49s
